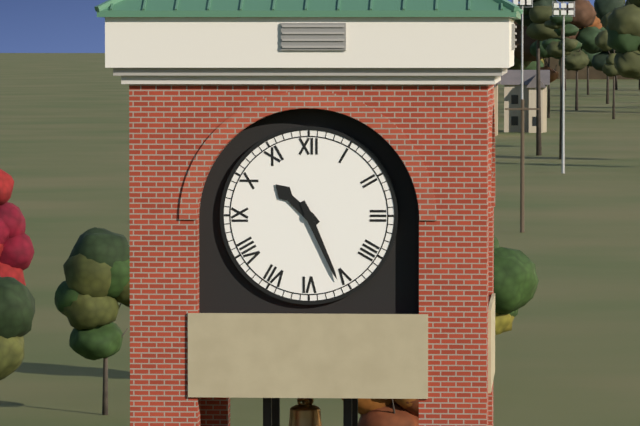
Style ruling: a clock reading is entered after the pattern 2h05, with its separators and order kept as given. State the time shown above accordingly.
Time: 10h26
